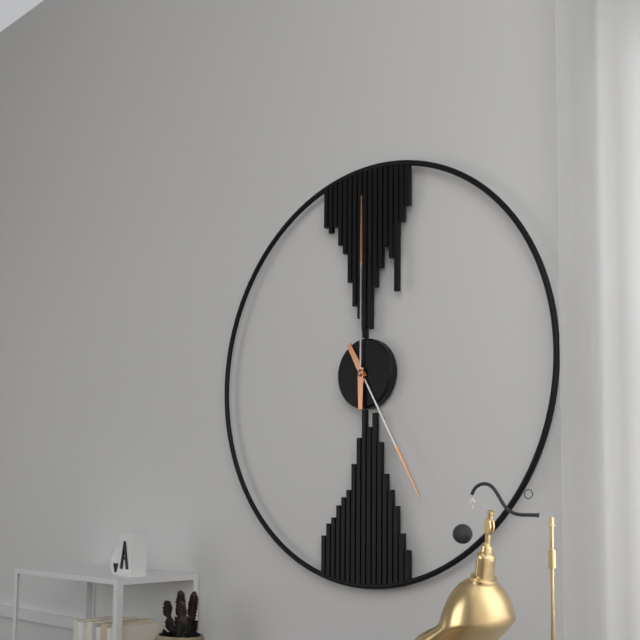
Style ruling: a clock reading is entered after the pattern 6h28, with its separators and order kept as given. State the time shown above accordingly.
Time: 5h00
